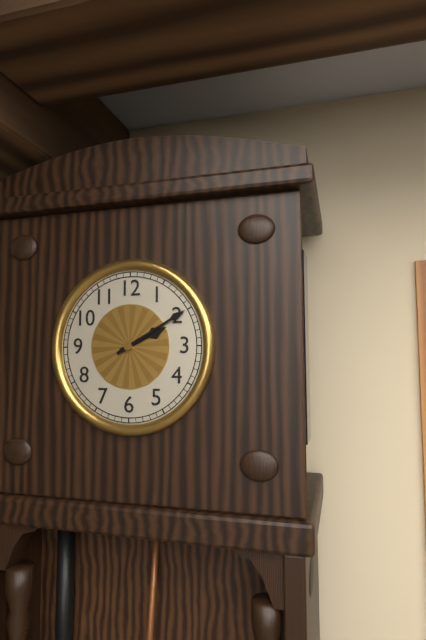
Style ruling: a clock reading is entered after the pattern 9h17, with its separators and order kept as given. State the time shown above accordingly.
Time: 2h10
